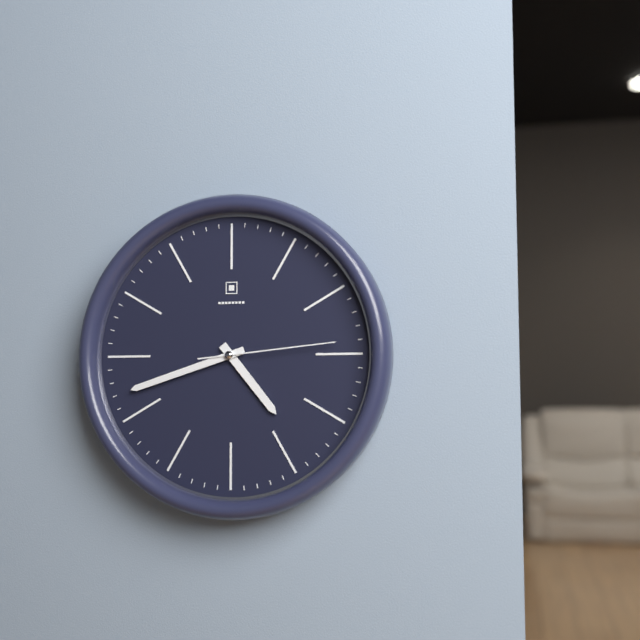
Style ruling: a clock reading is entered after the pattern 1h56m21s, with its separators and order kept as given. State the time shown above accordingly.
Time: 4h42m14s
